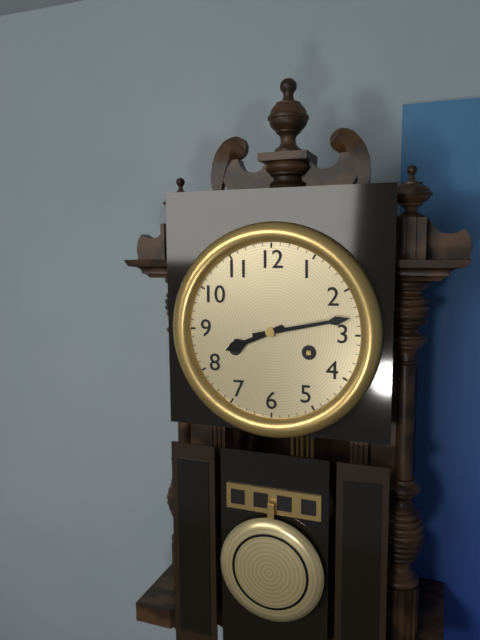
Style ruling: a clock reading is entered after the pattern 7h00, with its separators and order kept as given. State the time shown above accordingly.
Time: 8h13
